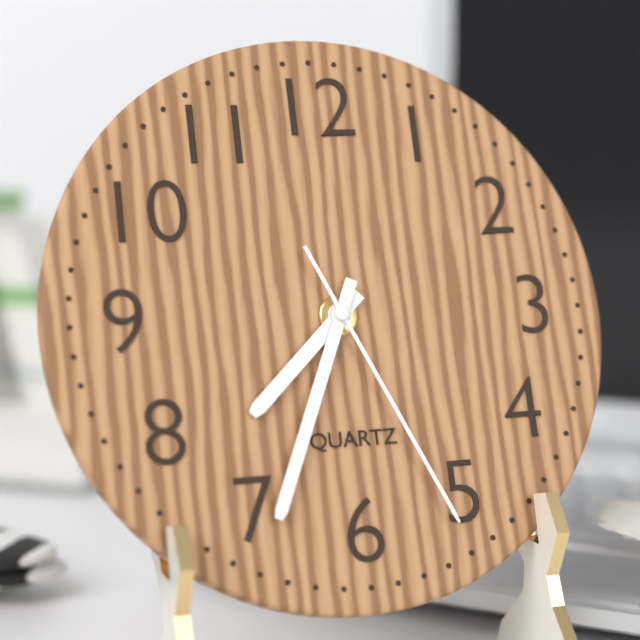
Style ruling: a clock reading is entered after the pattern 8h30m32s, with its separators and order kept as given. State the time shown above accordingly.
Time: 7h34m26s
